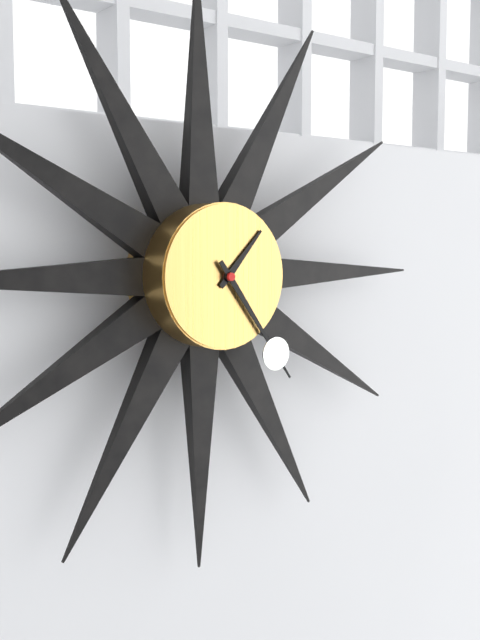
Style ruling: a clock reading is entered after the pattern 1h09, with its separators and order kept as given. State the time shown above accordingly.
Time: 1h24
